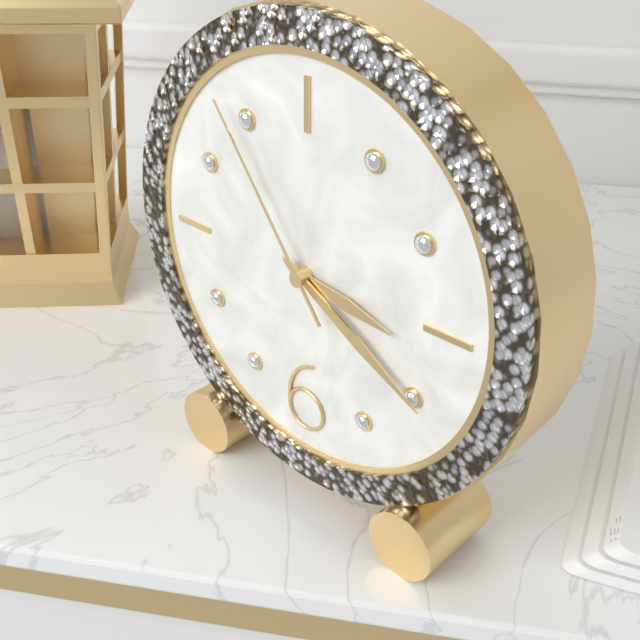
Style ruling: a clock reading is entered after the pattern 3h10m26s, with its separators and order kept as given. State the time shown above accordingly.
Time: 3h20m54s
